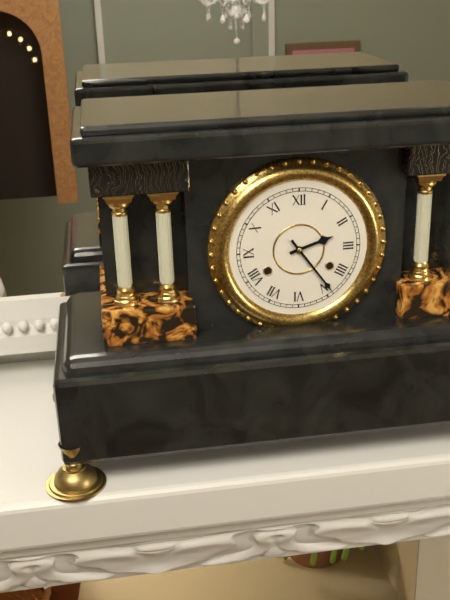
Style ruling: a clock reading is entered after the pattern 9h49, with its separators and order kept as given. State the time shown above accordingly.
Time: 2h24
